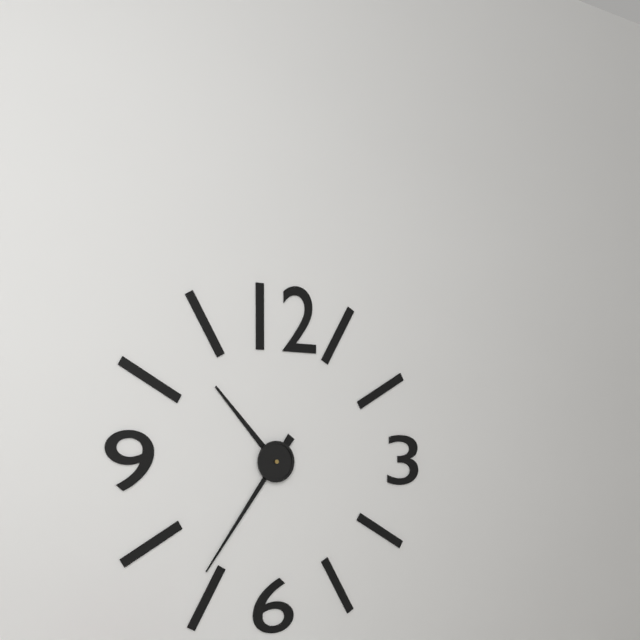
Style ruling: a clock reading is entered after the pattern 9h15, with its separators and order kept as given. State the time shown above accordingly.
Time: 10h36
